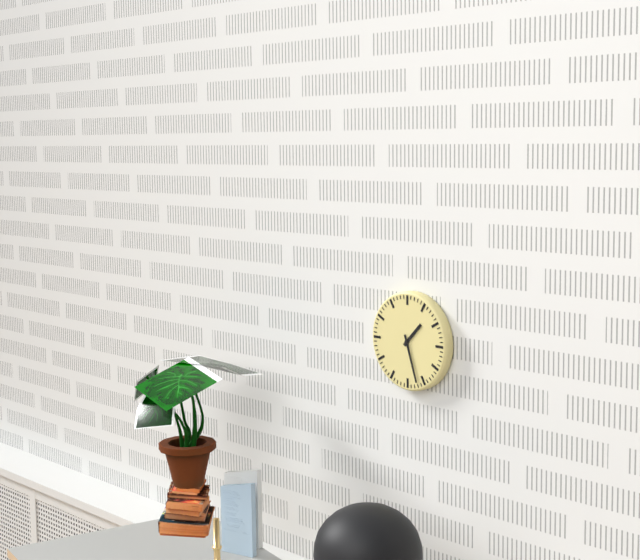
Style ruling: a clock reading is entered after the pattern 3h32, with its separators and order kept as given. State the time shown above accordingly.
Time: 1h27
